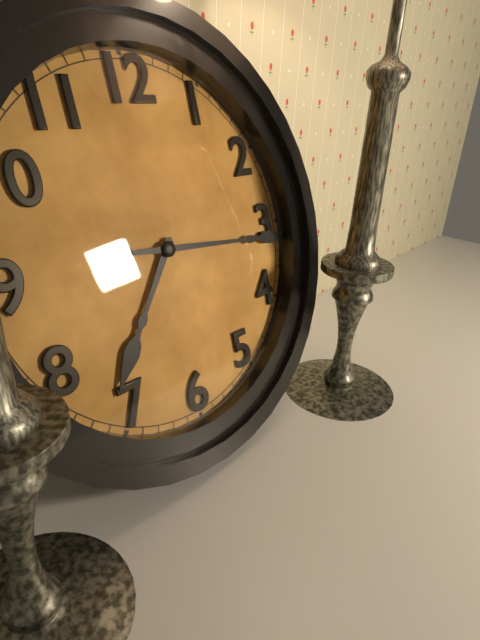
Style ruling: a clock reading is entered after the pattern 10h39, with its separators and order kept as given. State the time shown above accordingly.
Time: 7h16
